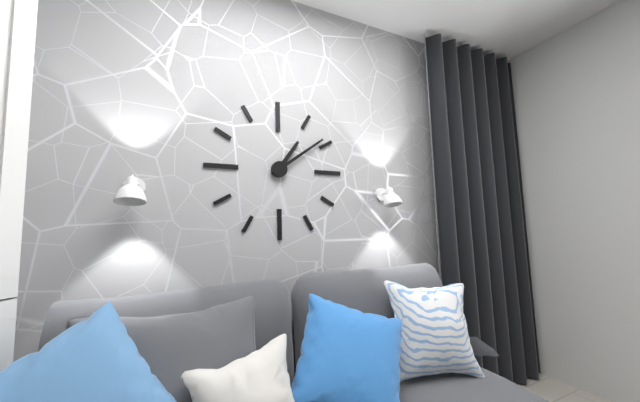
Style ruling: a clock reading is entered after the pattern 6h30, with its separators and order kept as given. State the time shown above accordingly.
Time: 1h09
